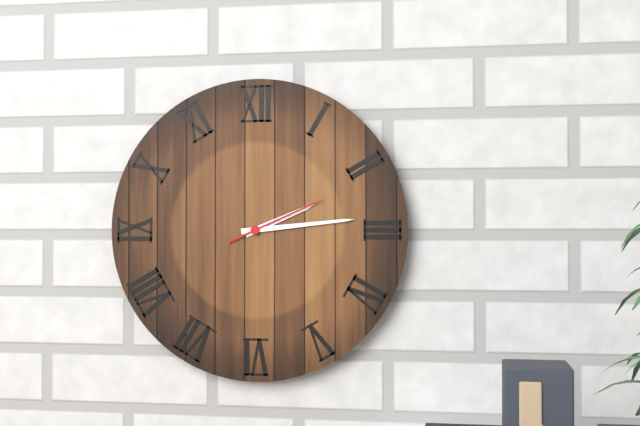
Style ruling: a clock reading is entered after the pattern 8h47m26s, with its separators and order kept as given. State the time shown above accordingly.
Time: 2h14m11s
